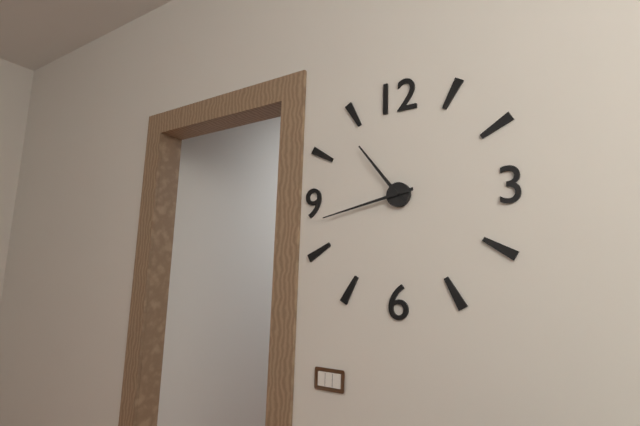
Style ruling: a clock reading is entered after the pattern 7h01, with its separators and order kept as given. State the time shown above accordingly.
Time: 10h43
